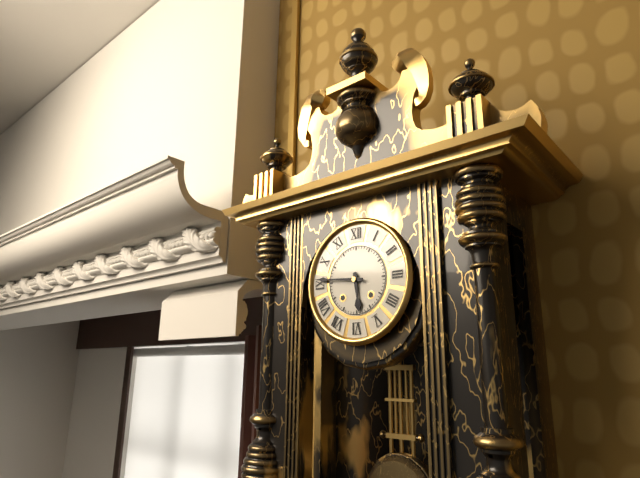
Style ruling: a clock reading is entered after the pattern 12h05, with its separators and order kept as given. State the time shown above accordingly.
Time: 5h46
